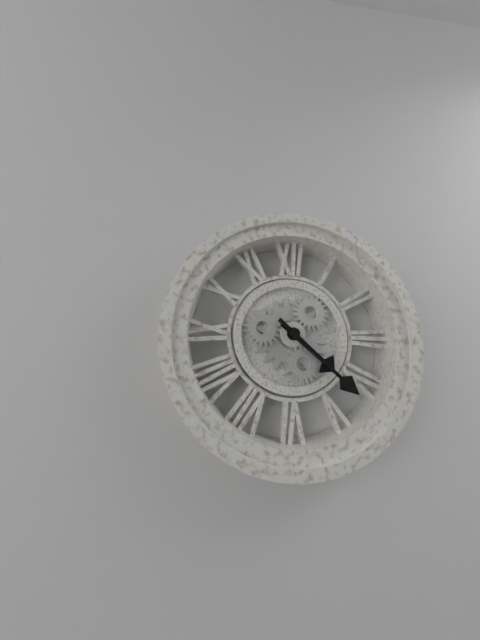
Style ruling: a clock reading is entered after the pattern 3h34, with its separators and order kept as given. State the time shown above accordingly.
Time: 4h22
